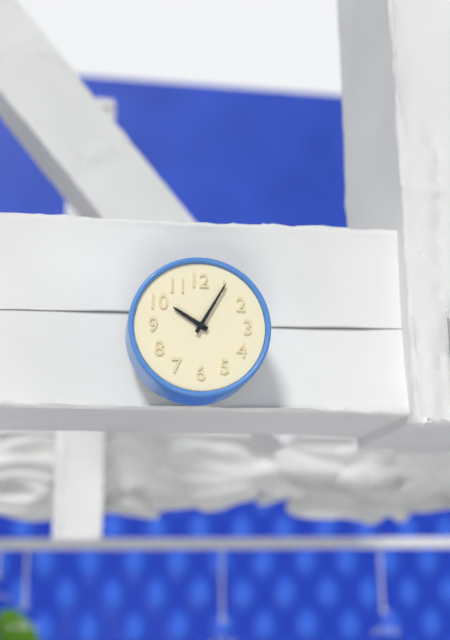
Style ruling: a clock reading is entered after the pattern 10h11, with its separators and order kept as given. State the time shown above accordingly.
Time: 10h05
